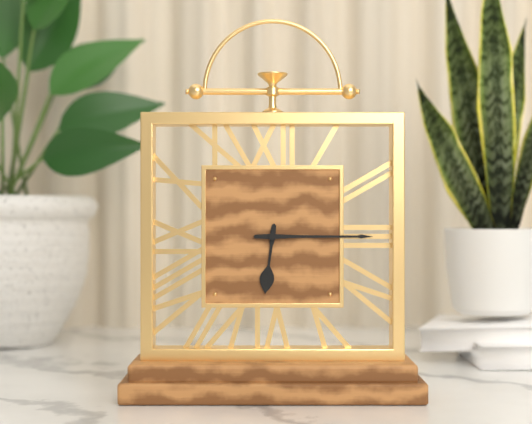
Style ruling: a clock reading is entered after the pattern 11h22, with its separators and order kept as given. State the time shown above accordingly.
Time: 6h15
